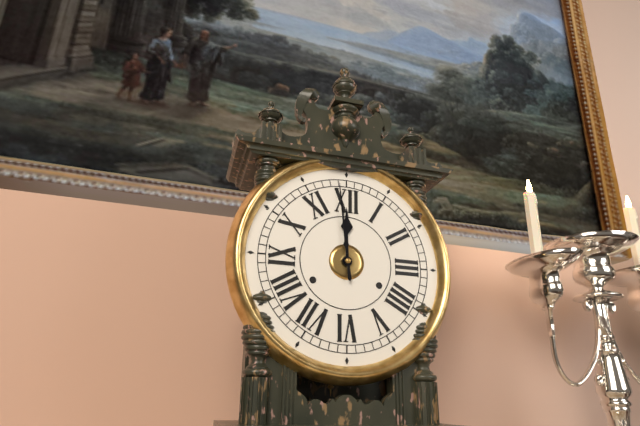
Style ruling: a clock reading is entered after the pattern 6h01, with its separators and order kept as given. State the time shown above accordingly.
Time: 11h59
